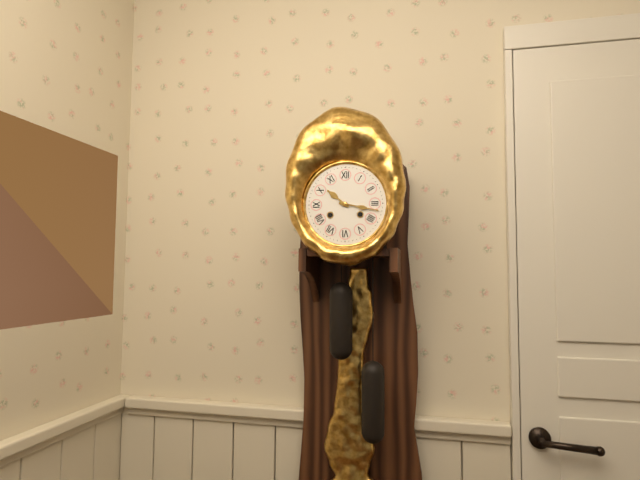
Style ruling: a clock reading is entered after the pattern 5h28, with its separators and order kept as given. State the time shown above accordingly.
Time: 10h17
